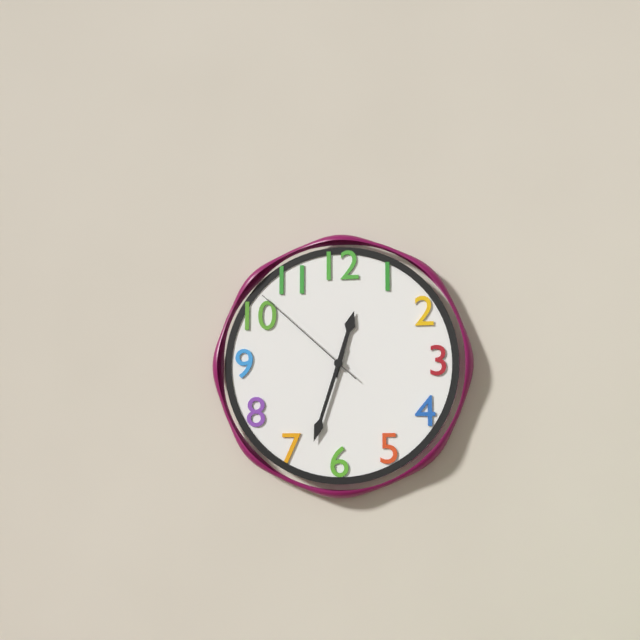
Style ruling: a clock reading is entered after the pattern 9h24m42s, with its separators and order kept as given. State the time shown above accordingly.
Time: 12h33m52s
